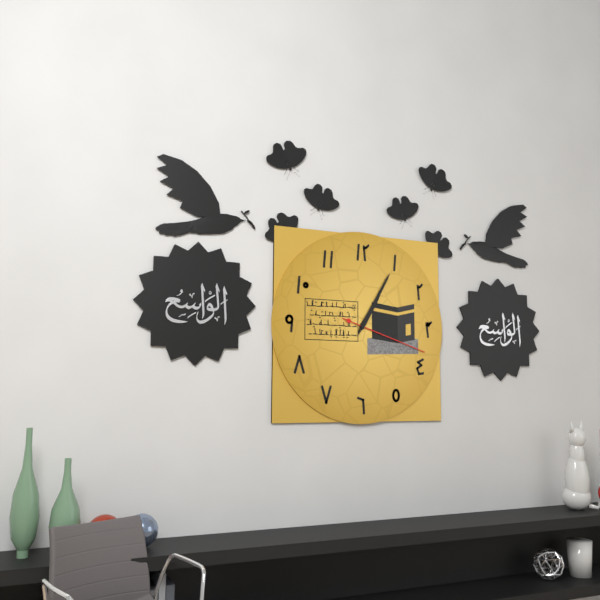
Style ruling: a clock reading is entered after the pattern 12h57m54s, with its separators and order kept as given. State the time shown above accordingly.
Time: 1h05m18s
